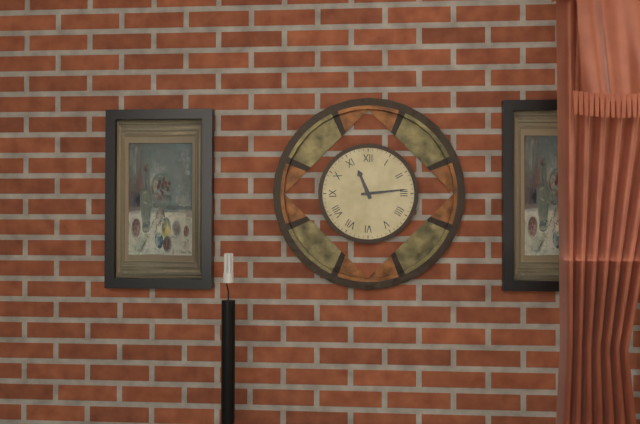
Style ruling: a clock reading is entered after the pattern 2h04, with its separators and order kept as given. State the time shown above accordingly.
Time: 11h14
